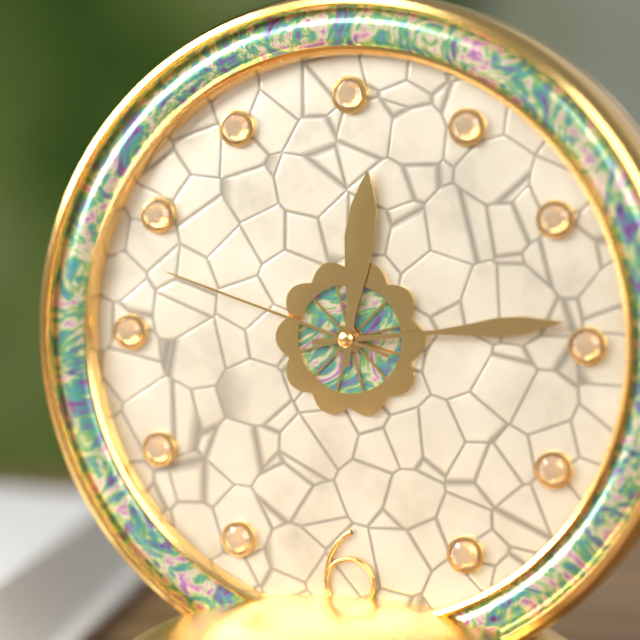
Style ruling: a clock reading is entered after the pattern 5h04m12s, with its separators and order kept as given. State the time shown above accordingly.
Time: 12h14m48s
